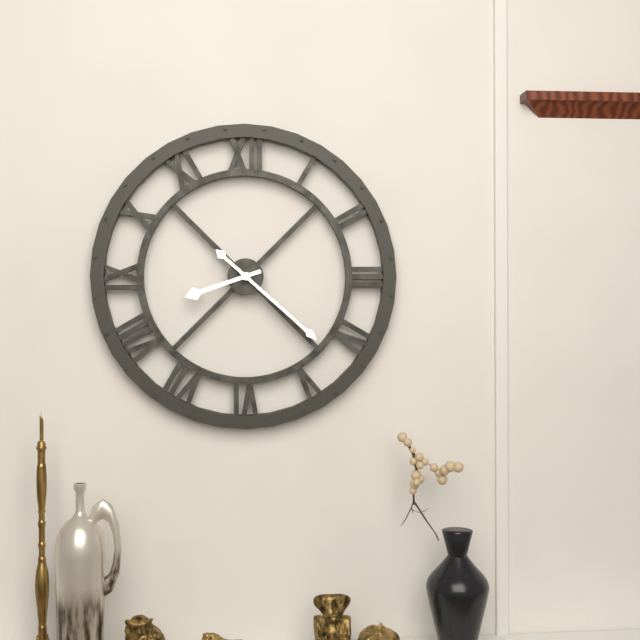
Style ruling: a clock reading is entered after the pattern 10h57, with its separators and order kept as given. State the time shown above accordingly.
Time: 8h22
